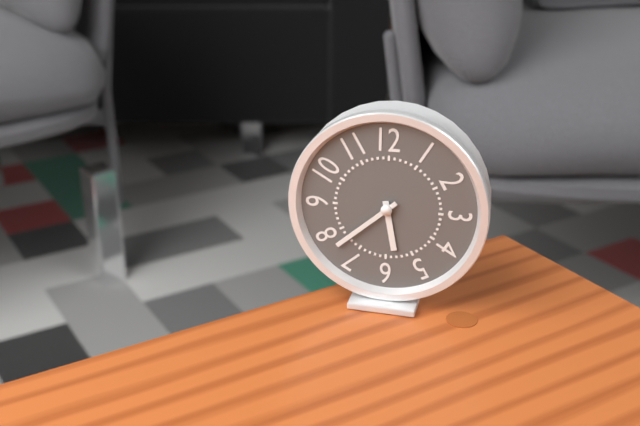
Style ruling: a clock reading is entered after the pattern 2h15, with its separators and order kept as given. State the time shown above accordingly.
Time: 5h38
